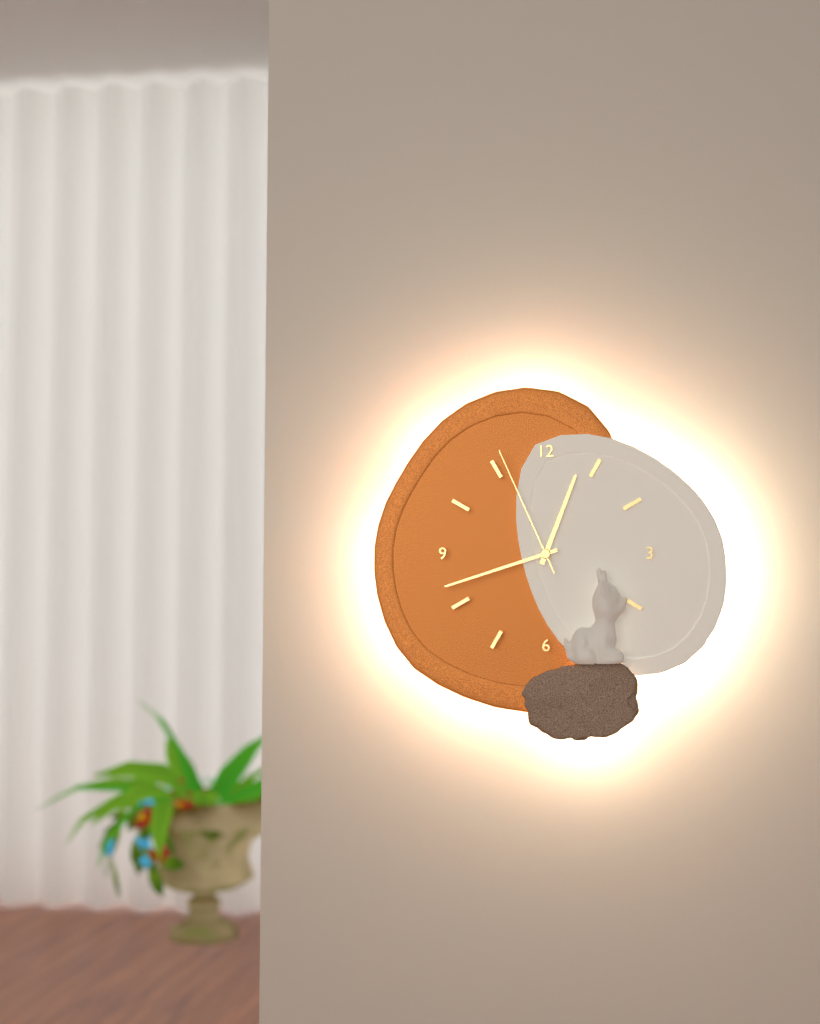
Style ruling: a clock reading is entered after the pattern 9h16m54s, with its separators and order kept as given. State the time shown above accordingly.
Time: 12h42m56s
